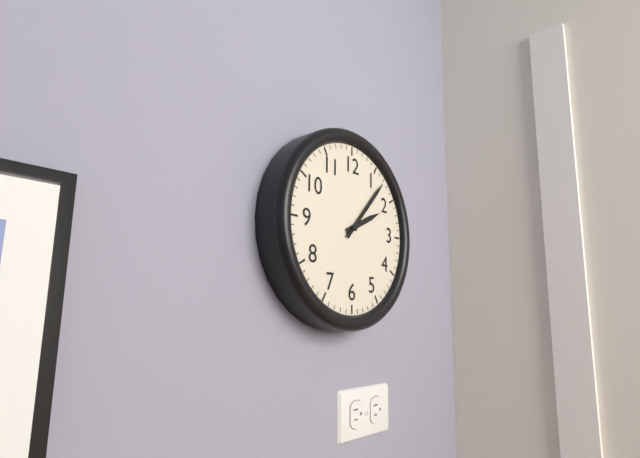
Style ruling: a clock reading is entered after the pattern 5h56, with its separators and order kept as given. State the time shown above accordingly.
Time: 2h07
